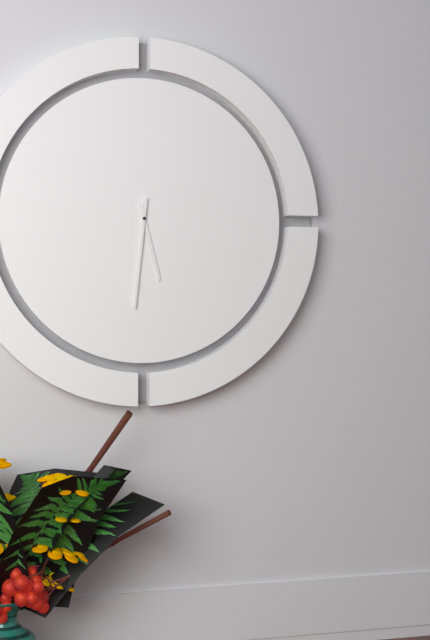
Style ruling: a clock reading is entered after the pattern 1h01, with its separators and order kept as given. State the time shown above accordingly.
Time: 5h31
